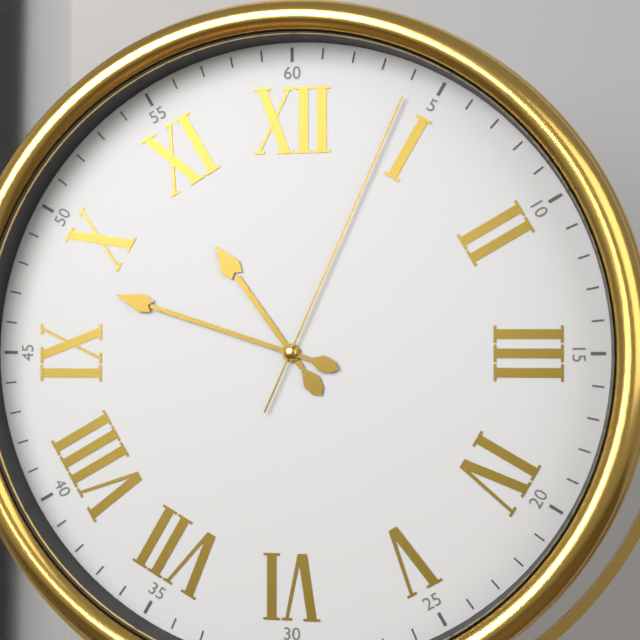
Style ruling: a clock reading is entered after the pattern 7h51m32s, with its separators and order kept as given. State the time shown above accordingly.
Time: 10h48m04s
